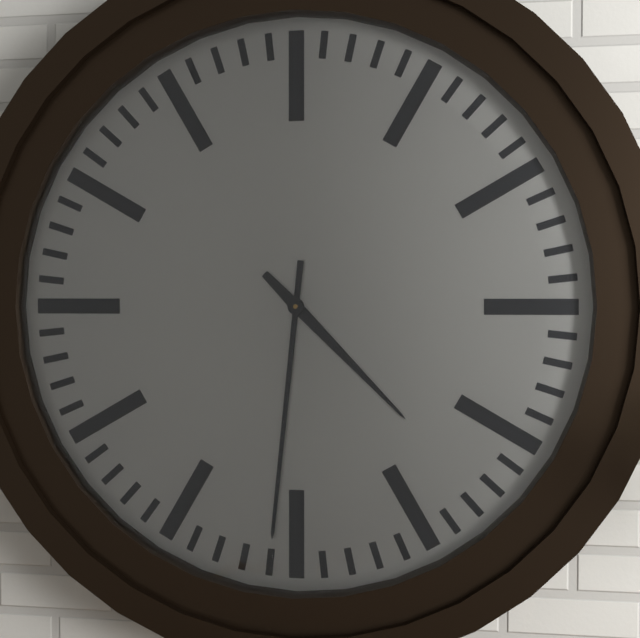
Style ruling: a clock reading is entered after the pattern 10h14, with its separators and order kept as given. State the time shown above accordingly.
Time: 4h31
